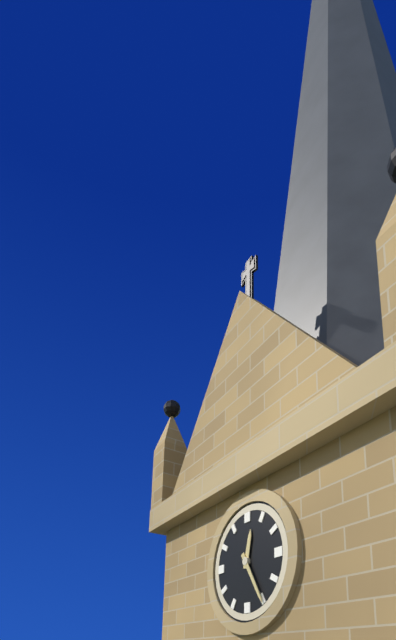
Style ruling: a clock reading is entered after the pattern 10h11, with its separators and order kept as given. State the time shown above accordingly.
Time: 12h25
